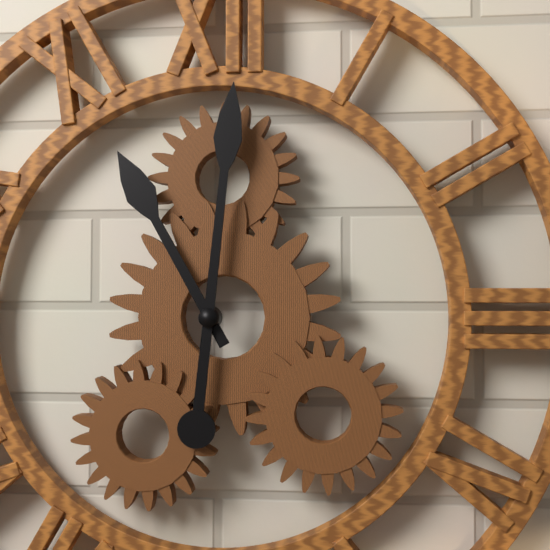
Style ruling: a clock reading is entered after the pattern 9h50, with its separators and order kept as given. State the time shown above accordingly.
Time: 11h01
